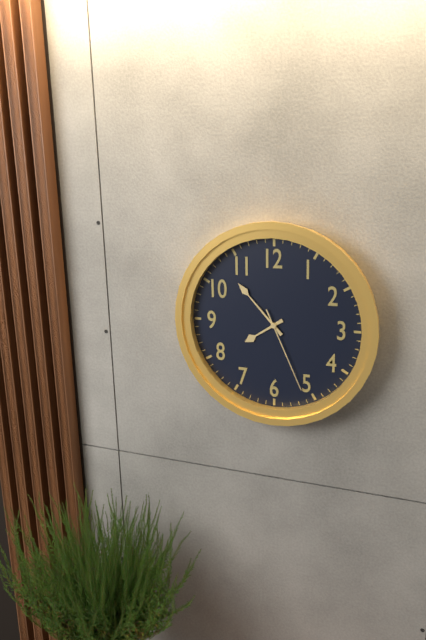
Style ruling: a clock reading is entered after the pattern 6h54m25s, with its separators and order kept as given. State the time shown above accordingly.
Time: 7h53m26s
